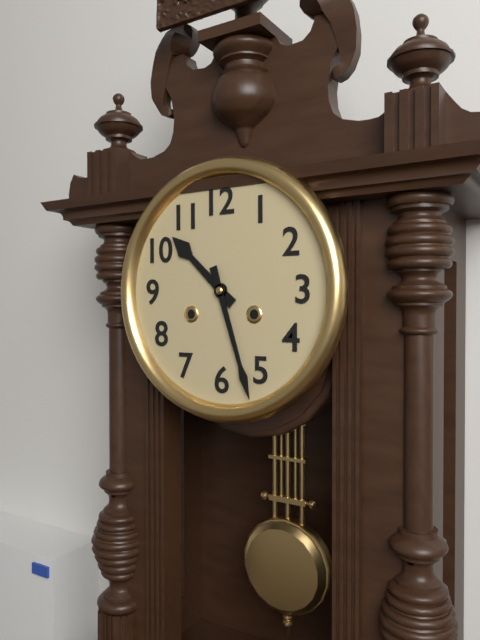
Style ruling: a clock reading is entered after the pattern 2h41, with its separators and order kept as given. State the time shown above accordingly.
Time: 10h27
